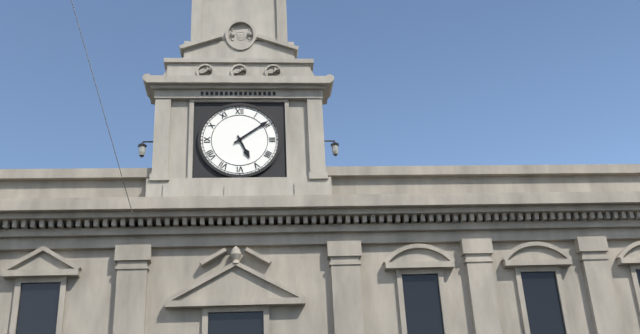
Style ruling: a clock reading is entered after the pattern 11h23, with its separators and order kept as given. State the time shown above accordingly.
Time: 5h09
